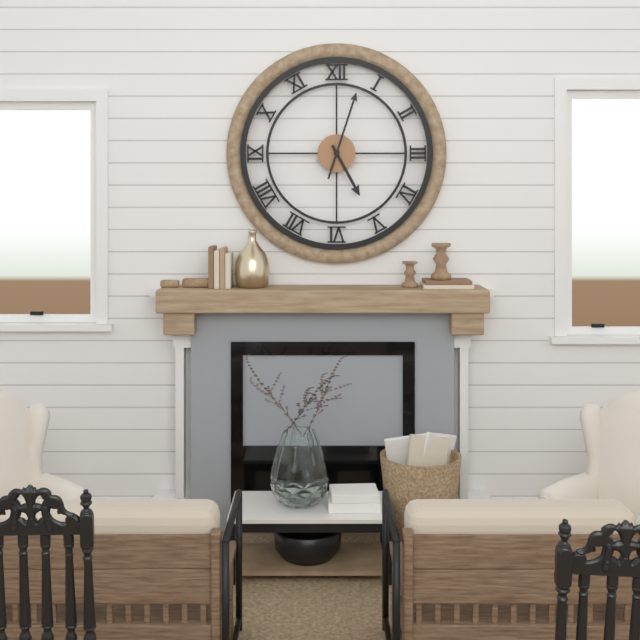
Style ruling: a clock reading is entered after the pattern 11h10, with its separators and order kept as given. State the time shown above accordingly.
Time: 5h03
